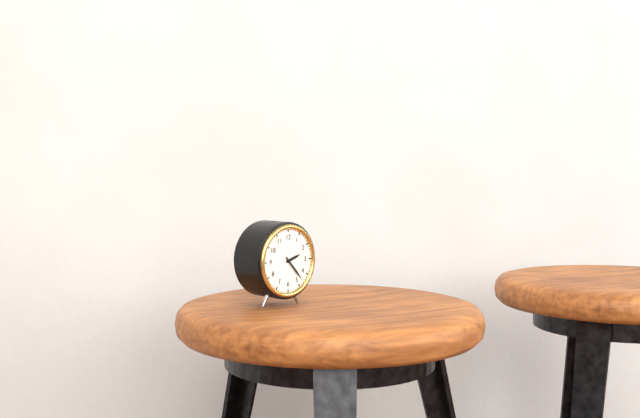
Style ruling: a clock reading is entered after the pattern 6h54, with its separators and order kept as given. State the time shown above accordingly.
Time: 2h23
